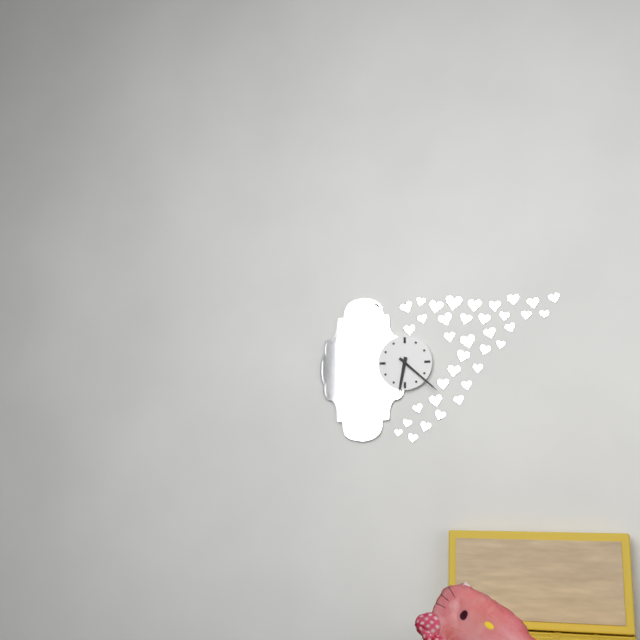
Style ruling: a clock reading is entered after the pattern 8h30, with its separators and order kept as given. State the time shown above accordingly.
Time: 6h22
